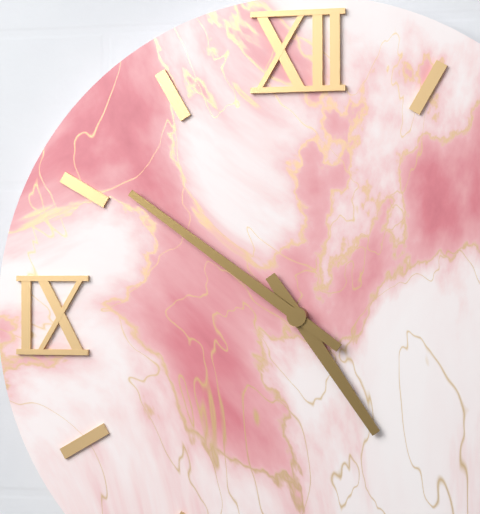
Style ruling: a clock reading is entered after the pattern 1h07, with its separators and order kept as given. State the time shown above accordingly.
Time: 4h51
